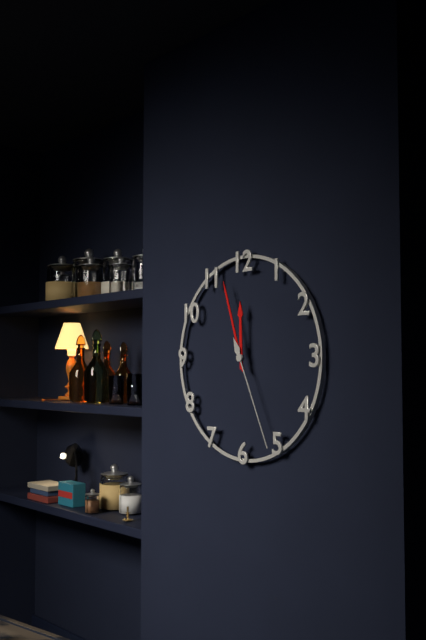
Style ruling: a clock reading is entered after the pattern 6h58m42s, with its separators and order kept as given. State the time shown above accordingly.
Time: 11h57m26s
